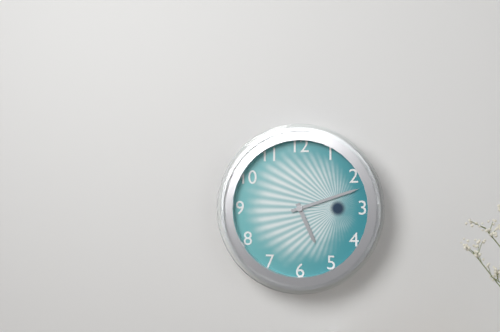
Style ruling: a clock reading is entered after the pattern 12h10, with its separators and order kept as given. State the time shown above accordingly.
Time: 5h12
